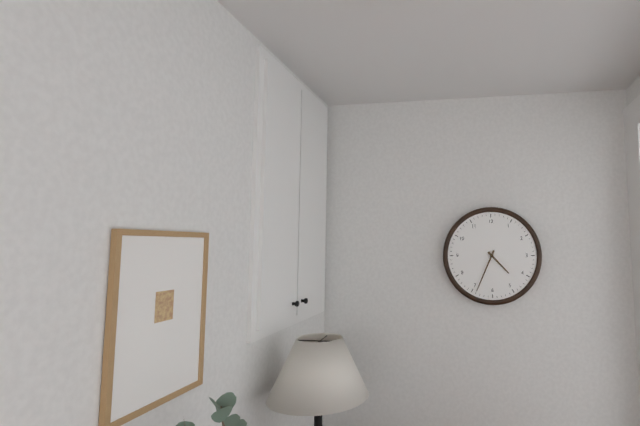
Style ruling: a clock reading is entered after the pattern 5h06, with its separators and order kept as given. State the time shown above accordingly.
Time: 4h34
